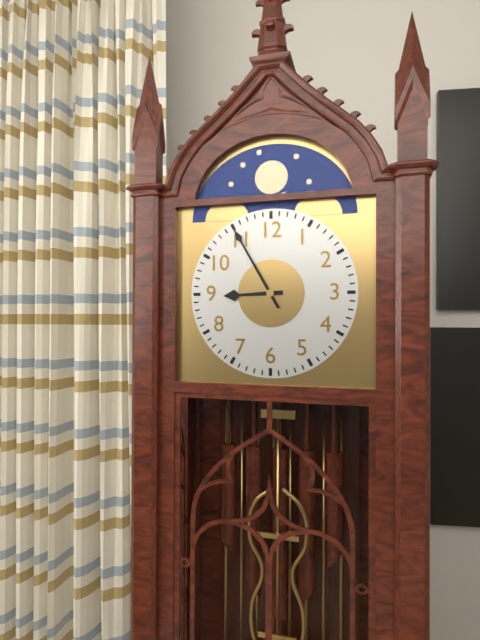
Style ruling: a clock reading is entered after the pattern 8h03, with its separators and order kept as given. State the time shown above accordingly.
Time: 8h55
